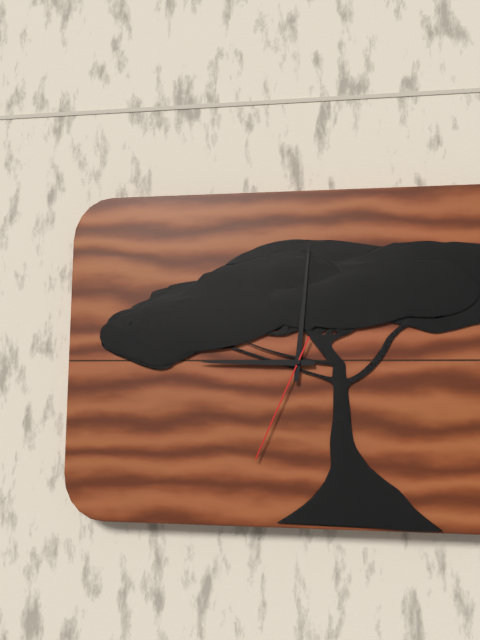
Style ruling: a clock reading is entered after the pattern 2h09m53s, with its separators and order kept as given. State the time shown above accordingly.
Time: 9h01m34s
